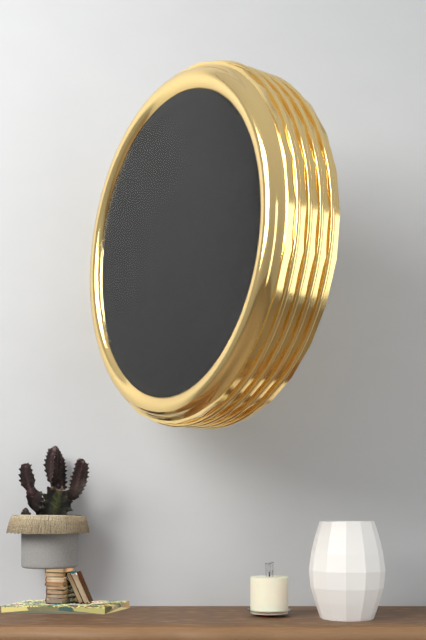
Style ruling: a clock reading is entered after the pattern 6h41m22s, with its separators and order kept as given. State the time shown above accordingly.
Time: 5h58m52s
